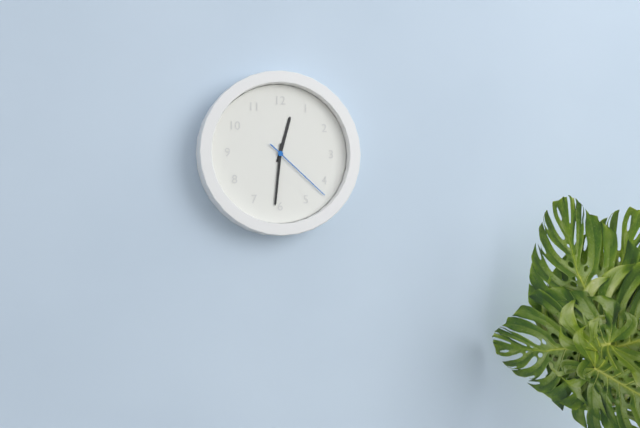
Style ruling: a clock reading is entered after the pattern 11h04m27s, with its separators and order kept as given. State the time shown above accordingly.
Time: 12h31m22s
